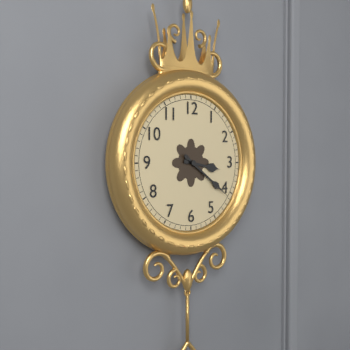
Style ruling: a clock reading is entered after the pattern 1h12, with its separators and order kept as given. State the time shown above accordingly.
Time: 3h21
